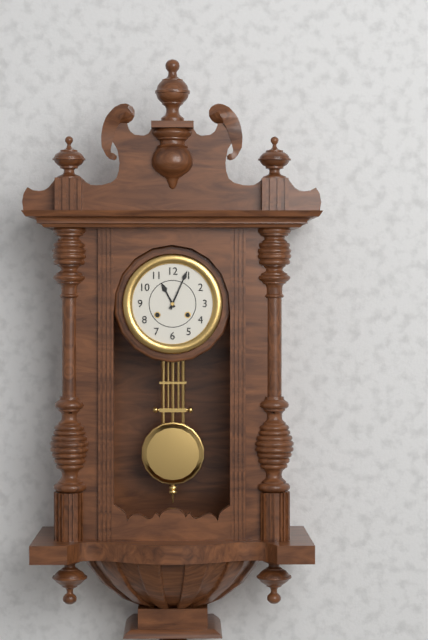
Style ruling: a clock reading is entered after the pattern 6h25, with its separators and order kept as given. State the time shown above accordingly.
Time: 11h04
